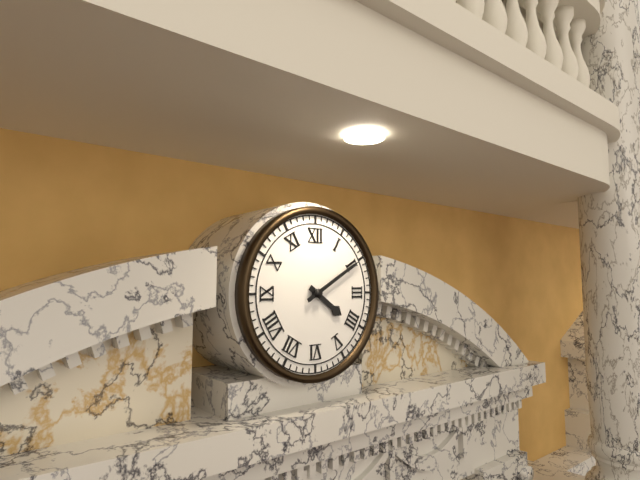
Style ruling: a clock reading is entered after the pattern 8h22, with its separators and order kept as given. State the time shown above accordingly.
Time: 4h10
